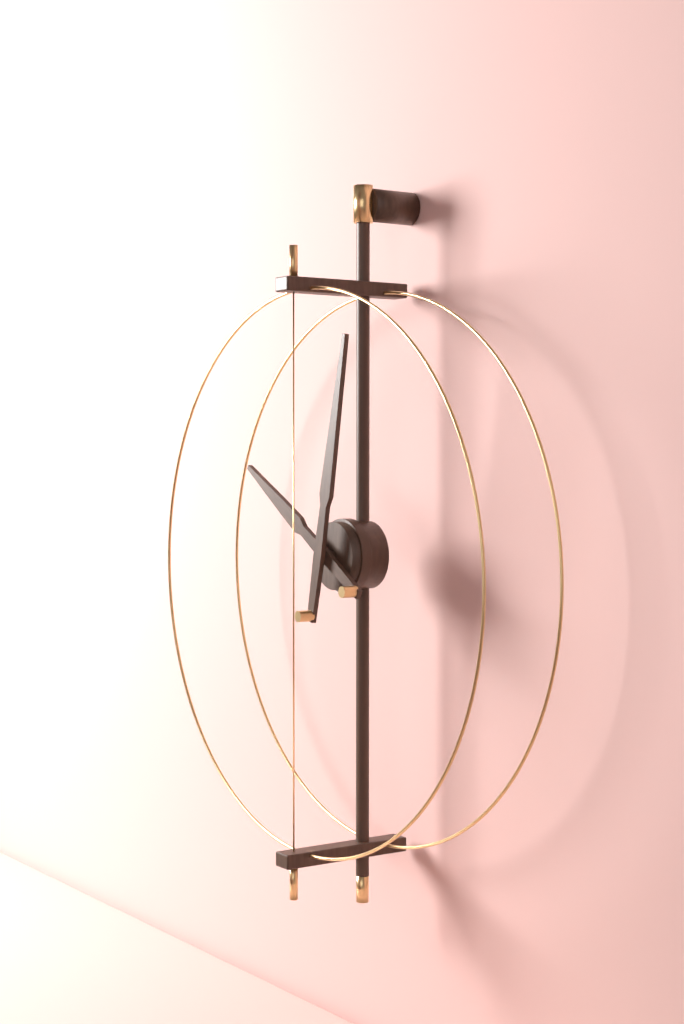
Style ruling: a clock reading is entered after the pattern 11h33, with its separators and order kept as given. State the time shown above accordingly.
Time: 10h02
